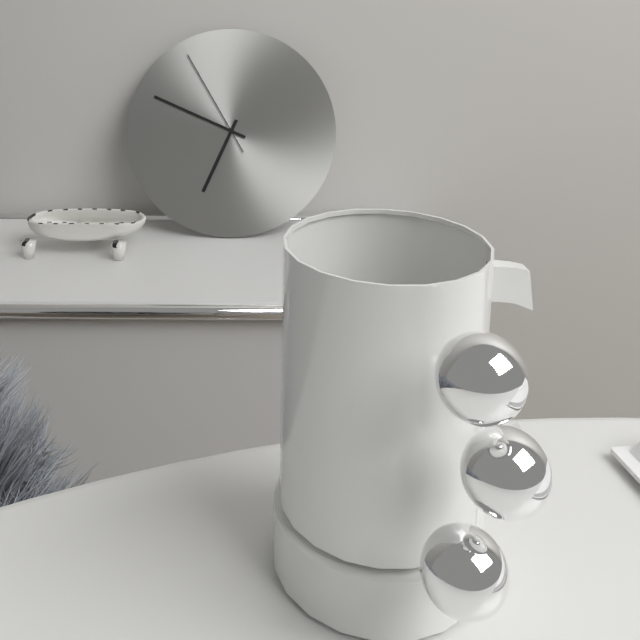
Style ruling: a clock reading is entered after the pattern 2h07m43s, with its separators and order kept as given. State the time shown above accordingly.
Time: 6h49m55s
